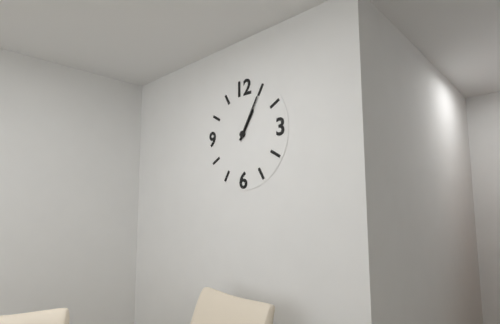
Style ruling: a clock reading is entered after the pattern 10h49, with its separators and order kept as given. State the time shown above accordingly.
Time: 1h05
